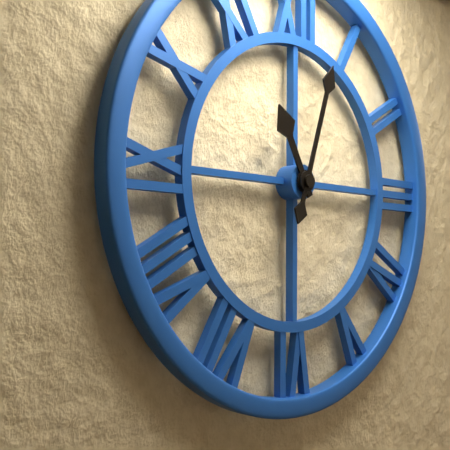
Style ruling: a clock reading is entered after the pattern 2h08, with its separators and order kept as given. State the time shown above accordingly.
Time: 11h03
